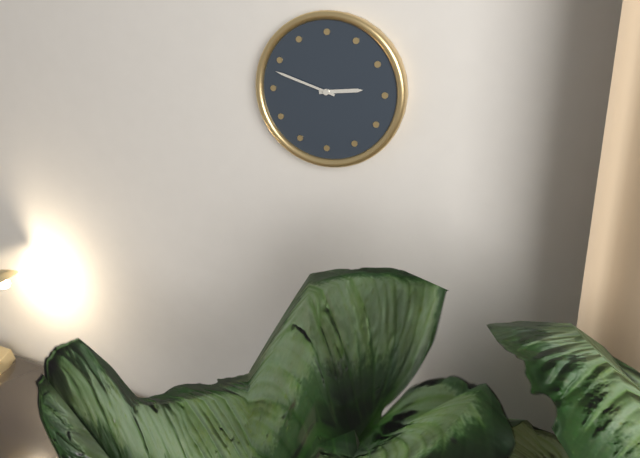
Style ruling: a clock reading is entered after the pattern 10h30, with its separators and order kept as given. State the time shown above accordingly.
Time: 2h48
